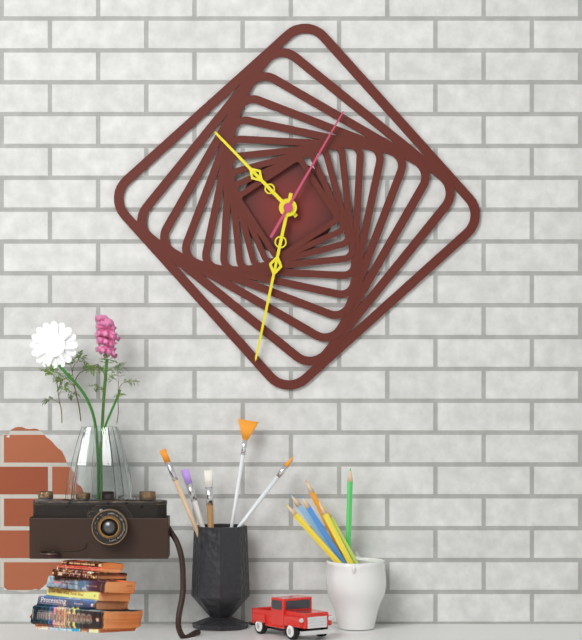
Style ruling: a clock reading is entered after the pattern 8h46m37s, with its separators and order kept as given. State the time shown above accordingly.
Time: 10h32m05s
